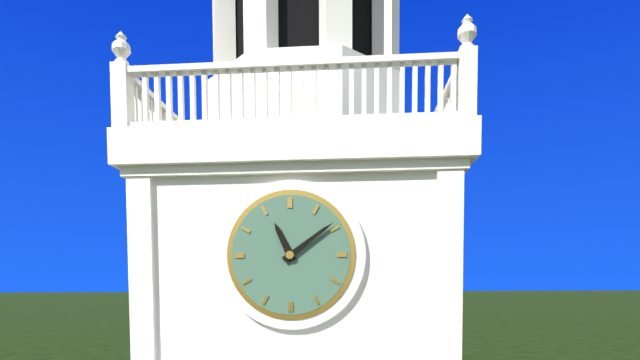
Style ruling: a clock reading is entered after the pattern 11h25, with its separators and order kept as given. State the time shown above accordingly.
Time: 11h09
